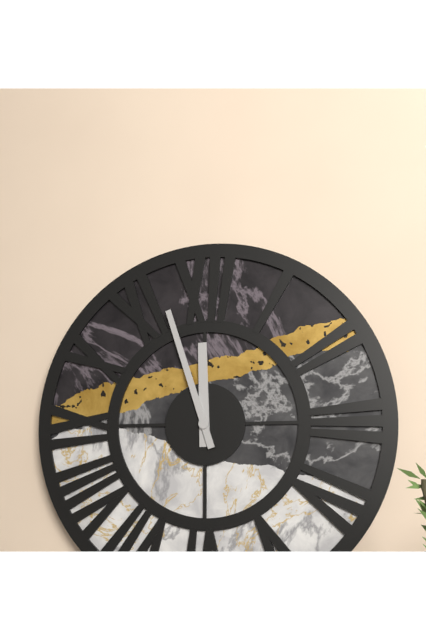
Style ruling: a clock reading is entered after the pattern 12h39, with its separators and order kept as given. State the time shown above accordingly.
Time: 11h57
